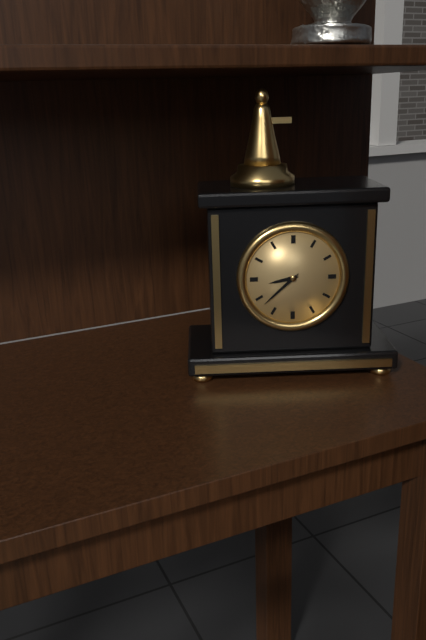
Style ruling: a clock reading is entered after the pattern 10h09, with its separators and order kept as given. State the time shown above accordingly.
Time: 8h38
